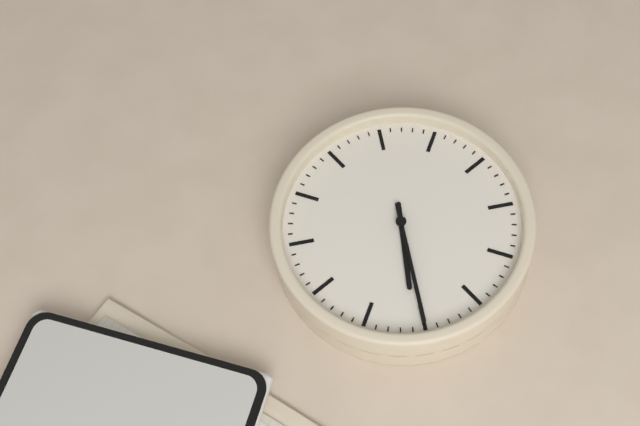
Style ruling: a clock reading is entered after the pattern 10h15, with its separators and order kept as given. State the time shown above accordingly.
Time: 2h10
